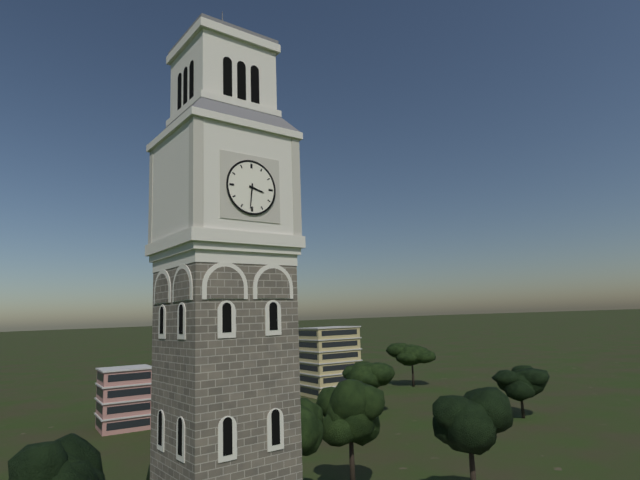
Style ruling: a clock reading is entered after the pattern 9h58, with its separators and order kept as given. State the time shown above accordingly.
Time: 3h31
